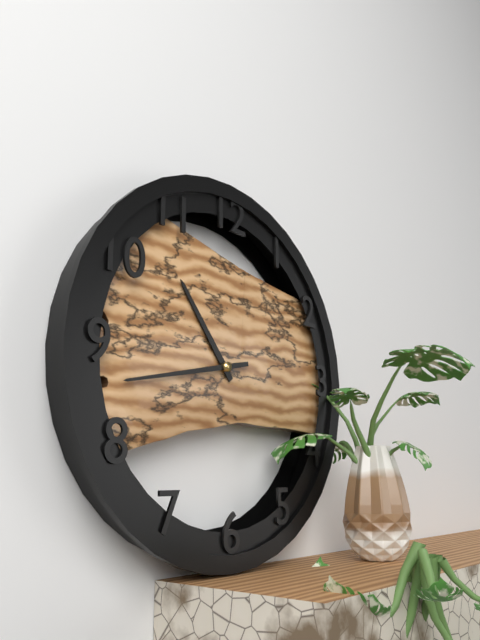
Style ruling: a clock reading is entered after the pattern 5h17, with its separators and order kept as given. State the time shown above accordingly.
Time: 10h43
